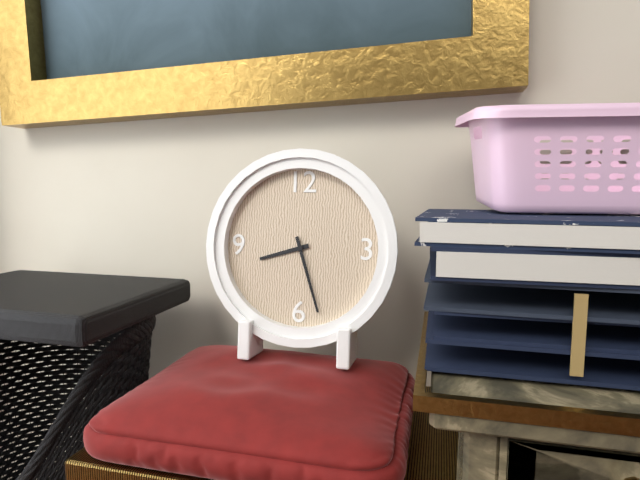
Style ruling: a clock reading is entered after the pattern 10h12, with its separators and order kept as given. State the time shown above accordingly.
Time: 8h27
